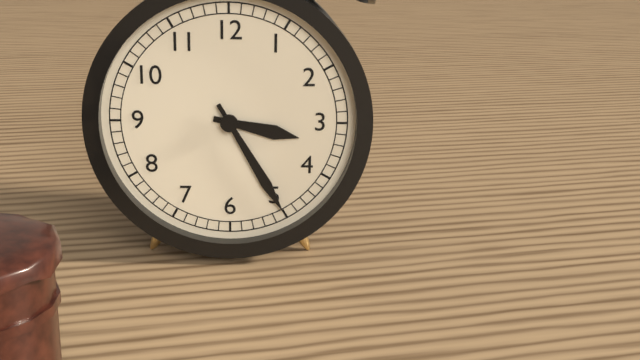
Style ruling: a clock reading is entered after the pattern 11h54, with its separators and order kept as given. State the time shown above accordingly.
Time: 3h25
